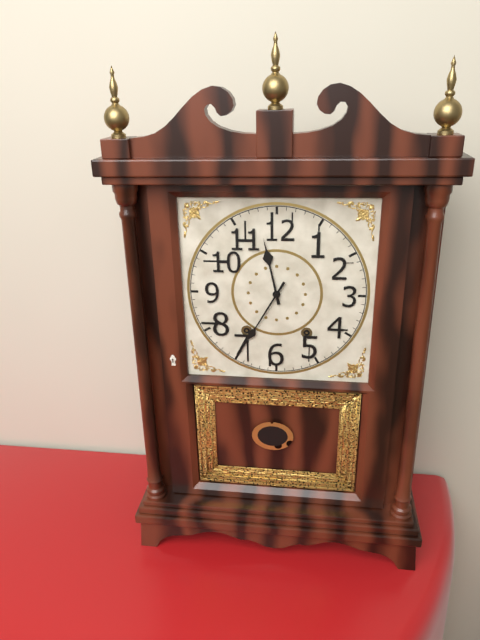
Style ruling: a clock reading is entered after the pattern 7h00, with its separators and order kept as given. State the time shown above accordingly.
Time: 11h35
